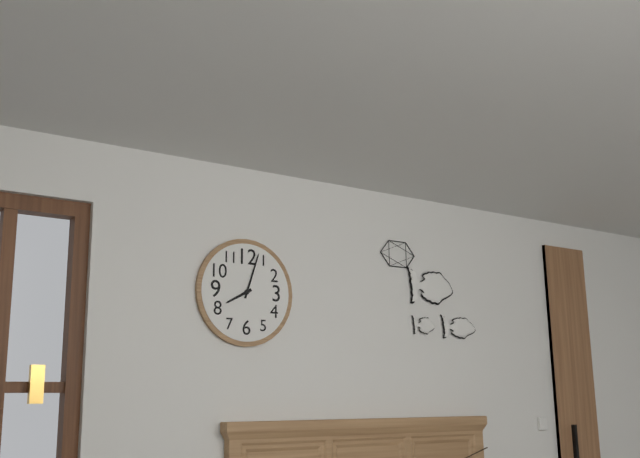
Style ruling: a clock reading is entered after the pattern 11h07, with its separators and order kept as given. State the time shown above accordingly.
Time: 8h03
